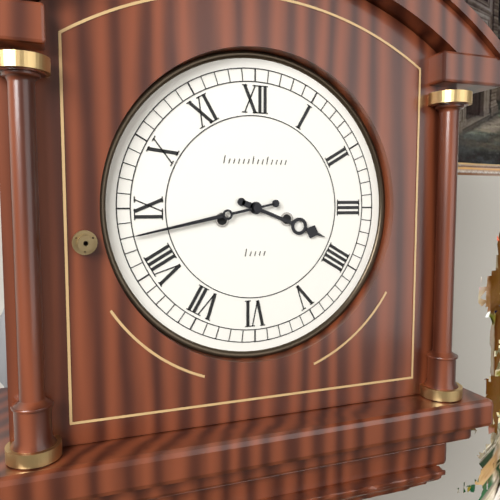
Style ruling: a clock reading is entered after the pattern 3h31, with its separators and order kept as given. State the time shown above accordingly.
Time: 3h43
